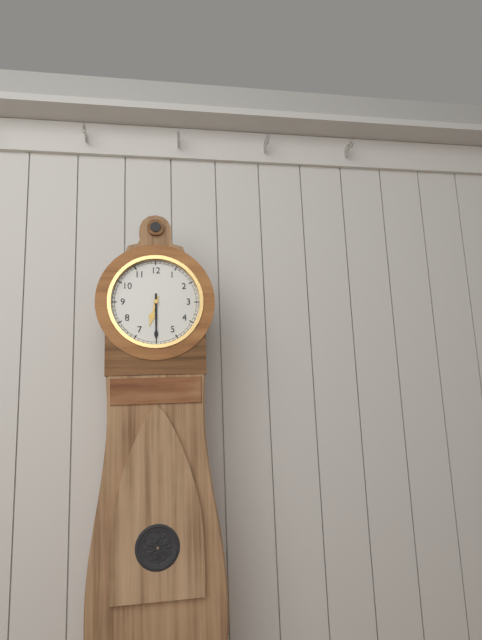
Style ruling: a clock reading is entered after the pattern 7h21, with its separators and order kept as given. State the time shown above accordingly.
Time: 6h30
